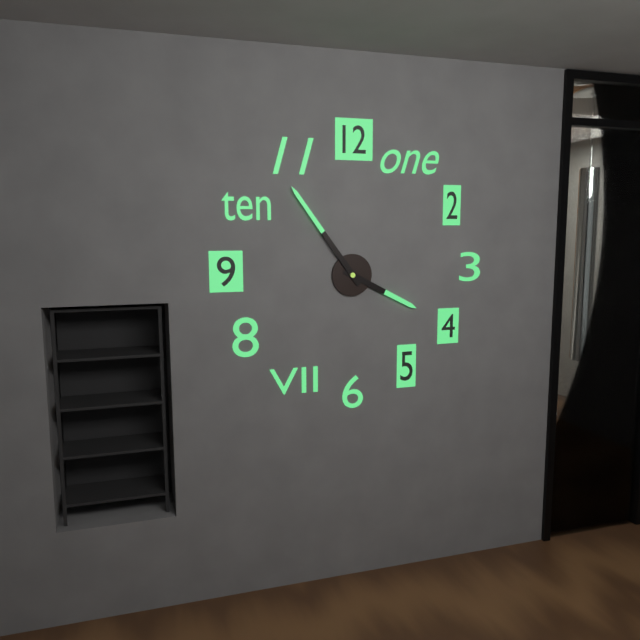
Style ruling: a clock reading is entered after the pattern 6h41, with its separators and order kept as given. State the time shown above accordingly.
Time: 3h54
